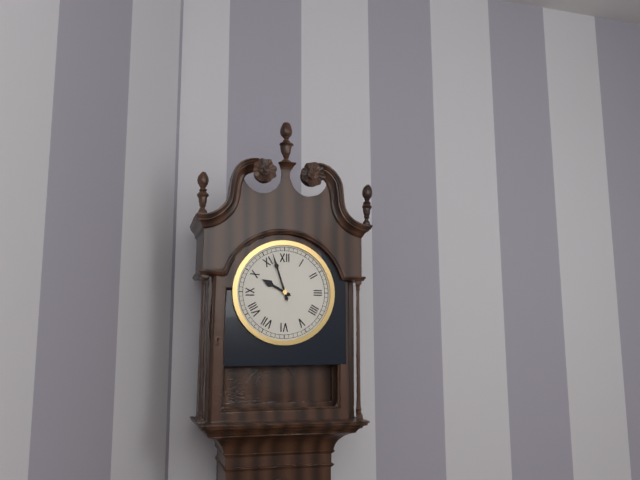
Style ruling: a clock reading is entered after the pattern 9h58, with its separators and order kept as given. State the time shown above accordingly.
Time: 9h57
